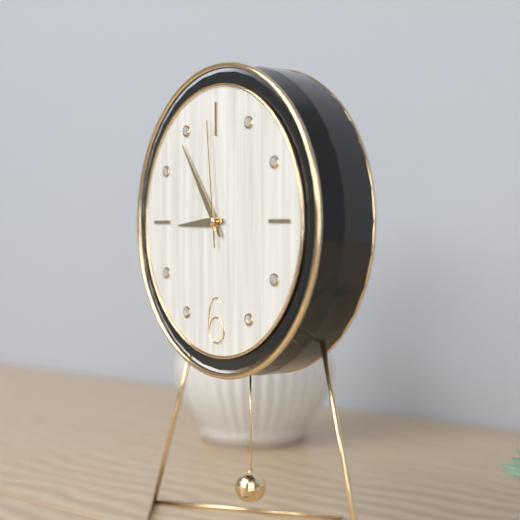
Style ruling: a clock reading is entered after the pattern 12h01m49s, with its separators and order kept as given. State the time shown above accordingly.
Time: 8h54m59s
